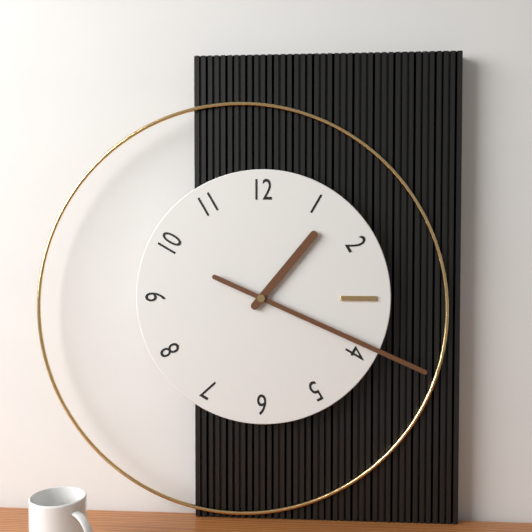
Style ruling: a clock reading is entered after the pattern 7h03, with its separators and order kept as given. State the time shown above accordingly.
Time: 1h19
